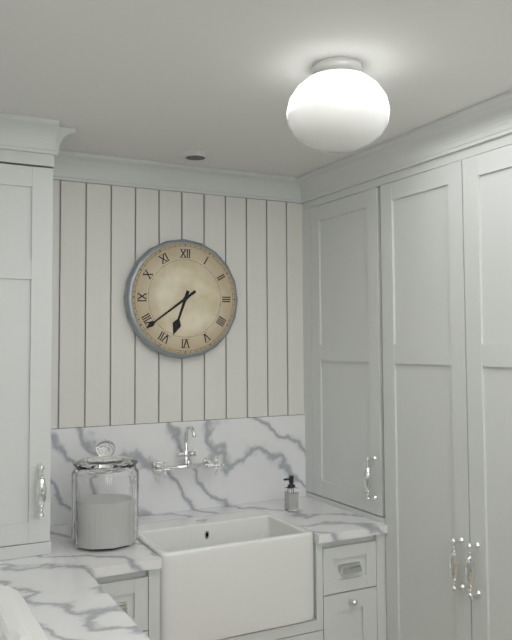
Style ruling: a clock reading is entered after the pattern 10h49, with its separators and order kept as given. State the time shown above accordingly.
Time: 6h39
